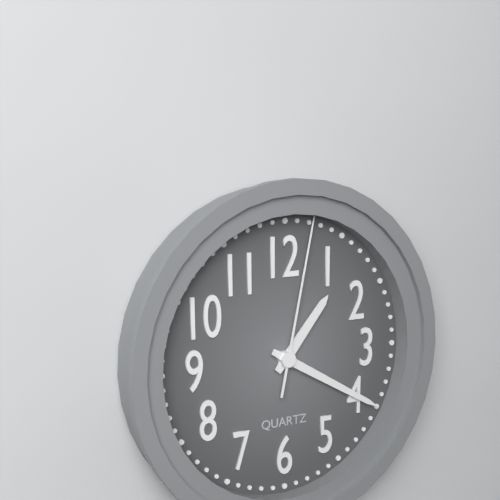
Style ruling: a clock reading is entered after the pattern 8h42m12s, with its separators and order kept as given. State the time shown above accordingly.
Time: 1h20m02s
